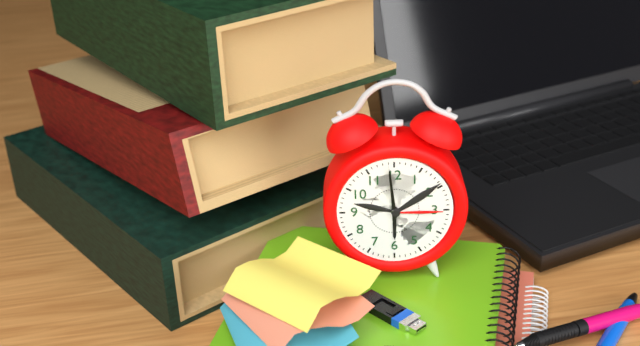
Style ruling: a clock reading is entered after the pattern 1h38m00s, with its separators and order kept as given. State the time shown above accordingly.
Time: 5h59m59s
